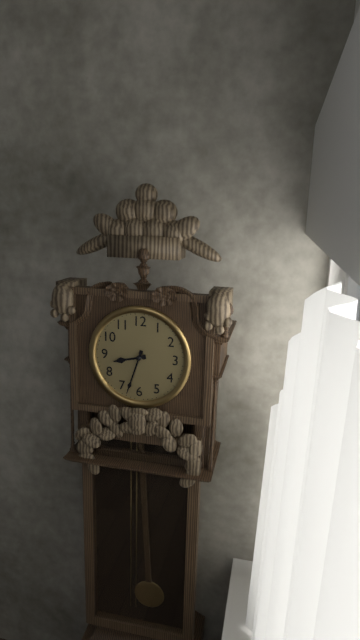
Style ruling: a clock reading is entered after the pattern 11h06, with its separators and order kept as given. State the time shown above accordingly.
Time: 8h33
